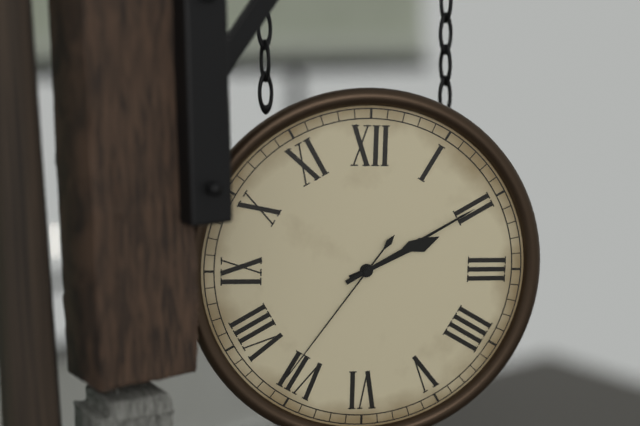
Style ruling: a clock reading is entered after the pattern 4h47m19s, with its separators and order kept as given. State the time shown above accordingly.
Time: 2h10m36s
